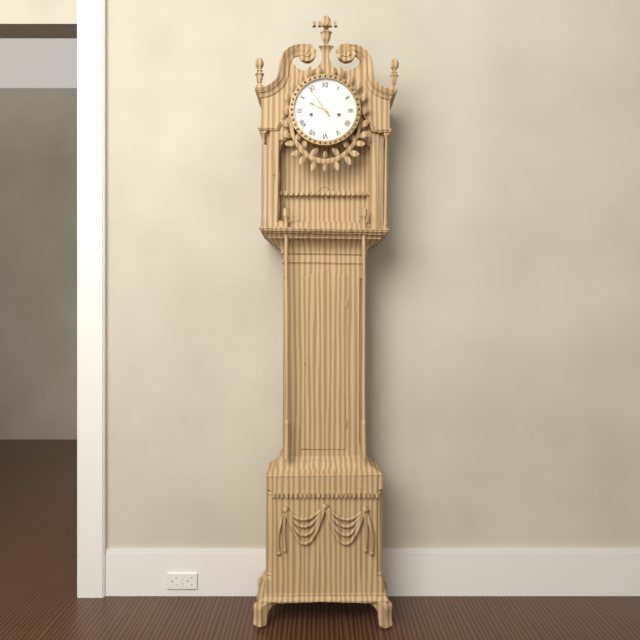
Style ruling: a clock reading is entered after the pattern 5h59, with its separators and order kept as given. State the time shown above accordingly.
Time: 9h54
